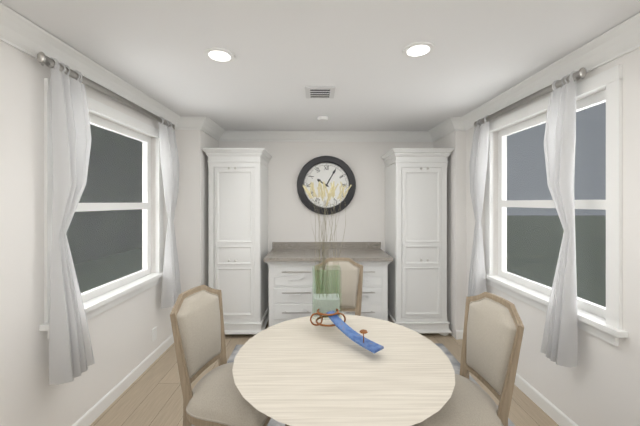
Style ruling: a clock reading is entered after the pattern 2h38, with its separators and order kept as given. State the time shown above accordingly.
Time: 10h05
